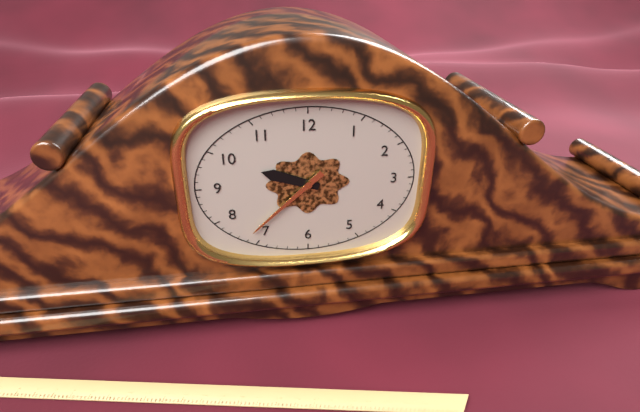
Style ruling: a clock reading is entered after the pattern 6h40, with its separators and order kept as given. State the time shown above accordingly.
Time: 9h38
